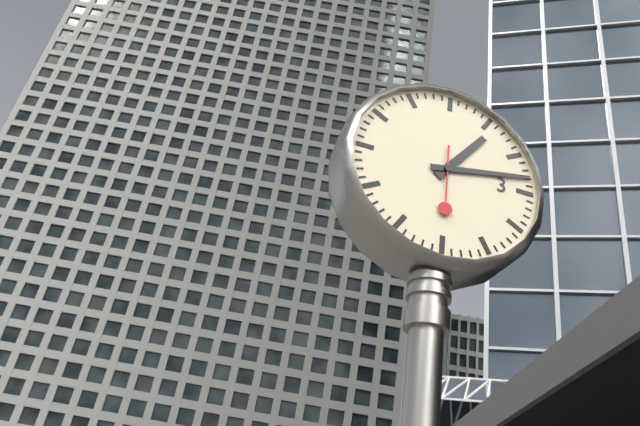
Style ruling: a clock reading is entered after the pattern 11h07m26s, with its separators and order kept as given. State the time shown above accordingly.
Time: 1h13m30s
